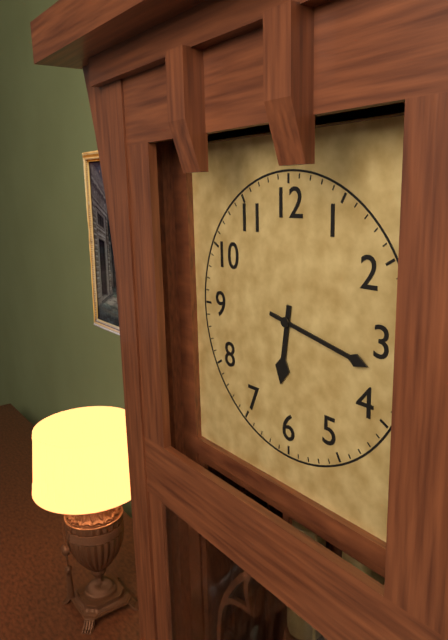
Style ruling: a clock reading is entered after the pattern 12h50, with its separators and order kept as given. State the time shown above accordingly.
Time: 6h17
